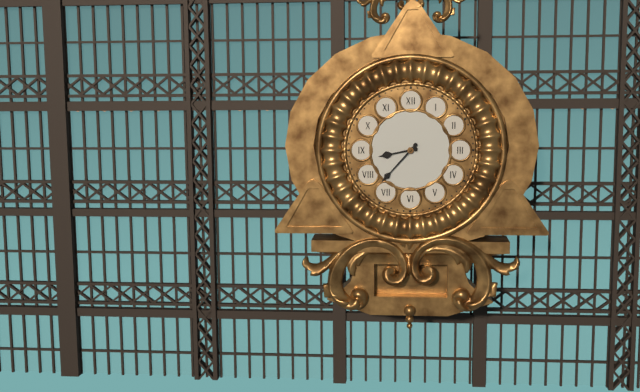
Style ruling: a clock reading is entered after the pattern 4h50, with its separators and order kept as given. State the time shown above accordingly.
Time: 8h37
